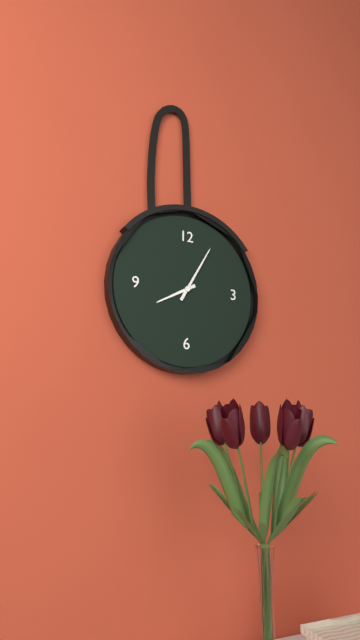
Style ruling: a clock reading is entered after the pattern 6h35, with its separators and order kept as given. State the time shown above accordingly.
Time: 8h05
